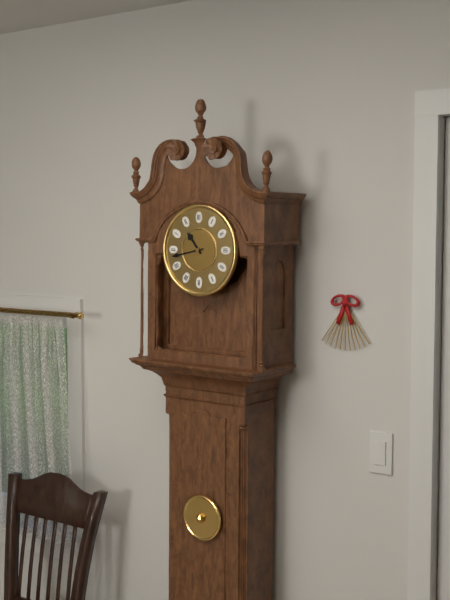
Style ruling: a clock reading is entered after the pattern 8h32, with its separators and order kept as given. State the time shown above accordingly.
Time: 10h43
